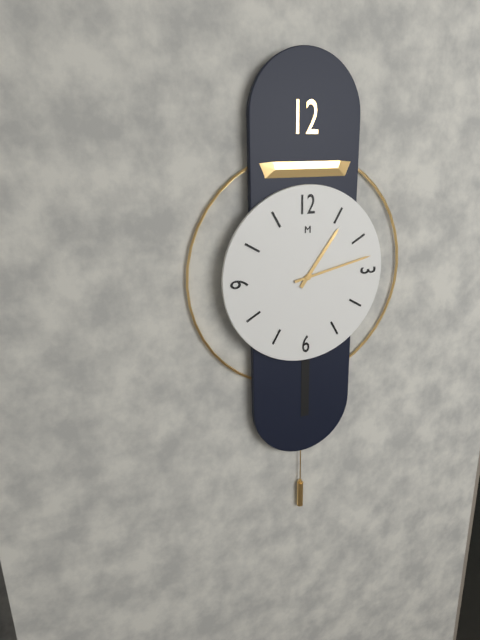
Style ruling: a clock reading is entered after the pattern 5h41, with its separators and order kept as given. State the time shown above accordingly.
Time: 1h13
